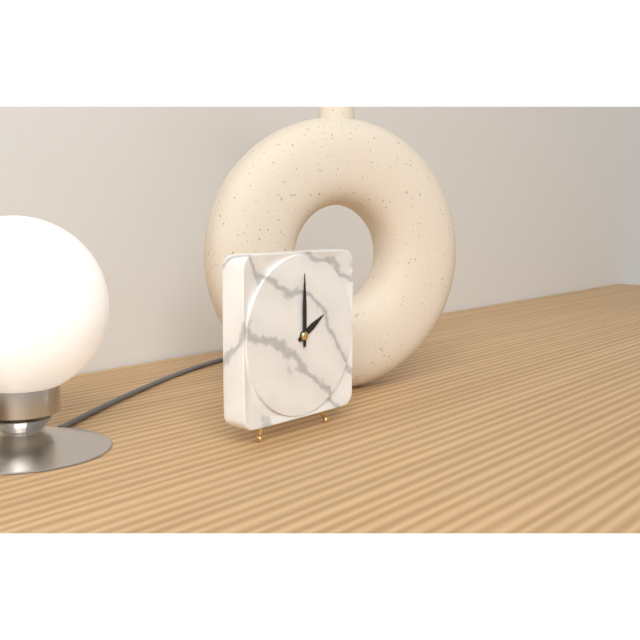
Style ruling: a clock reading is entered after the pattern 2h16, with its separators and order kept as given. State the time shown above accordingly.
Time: 2h00
